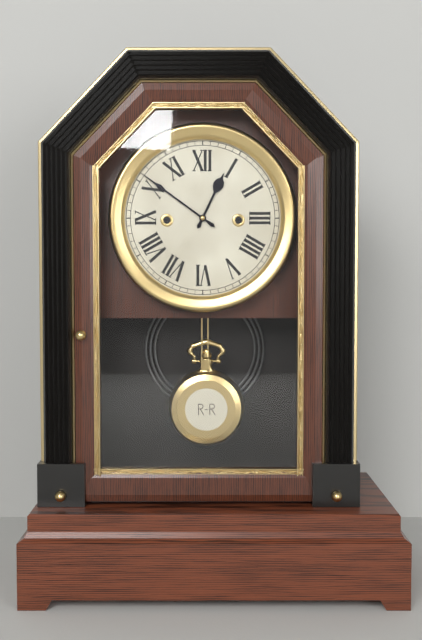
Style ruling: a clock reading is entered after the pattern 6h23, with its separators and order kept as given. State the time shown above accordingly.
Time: 12h51
